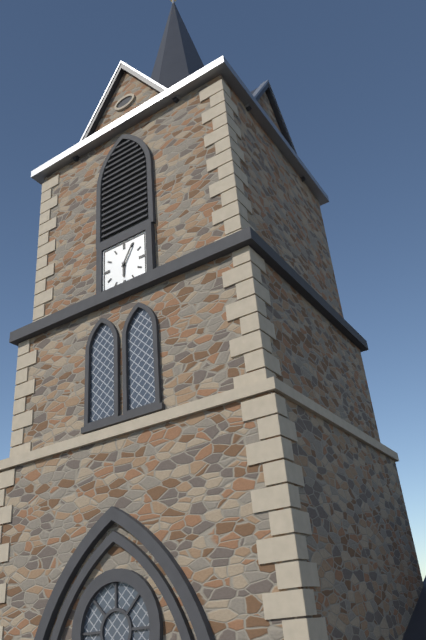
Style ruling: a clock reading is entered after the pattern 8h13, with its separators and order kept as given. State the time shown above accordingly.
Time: 6h05
